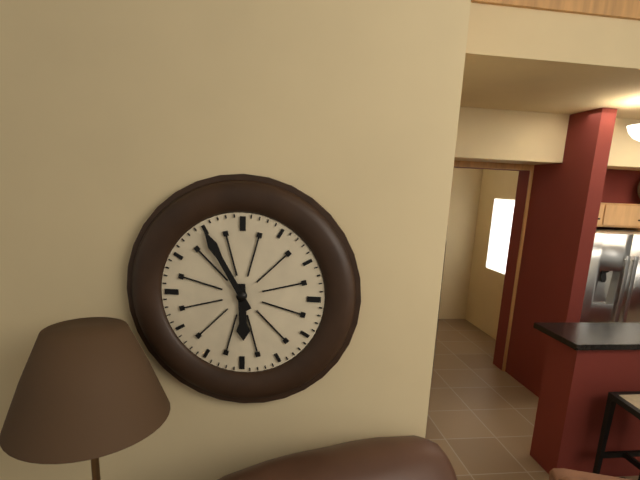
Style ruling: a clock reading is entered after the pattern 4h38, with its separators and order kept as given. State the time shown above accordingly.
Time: 5h55
